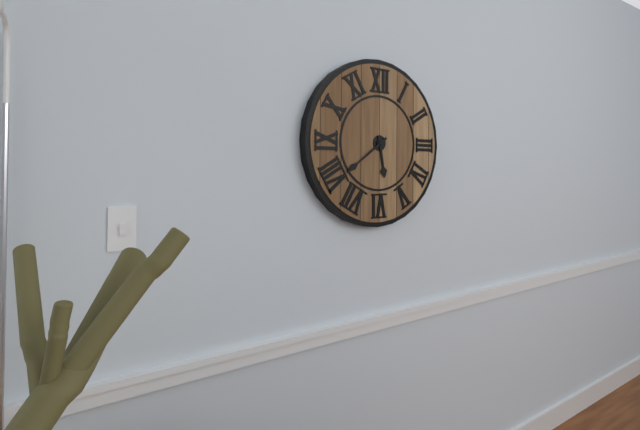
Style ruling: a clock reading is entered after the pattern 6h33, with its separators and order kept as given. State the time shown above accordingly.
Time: 5h39
